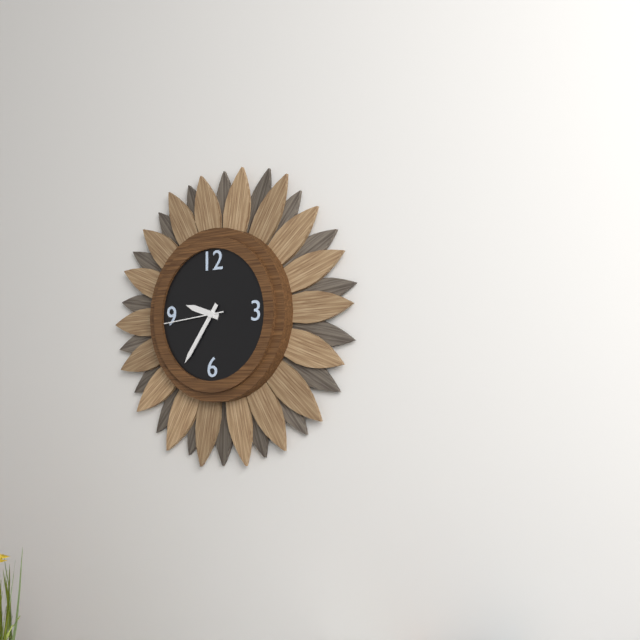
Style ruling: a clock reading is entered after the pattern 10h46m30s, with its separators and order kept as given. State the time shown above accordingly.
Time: 9h36m44s
